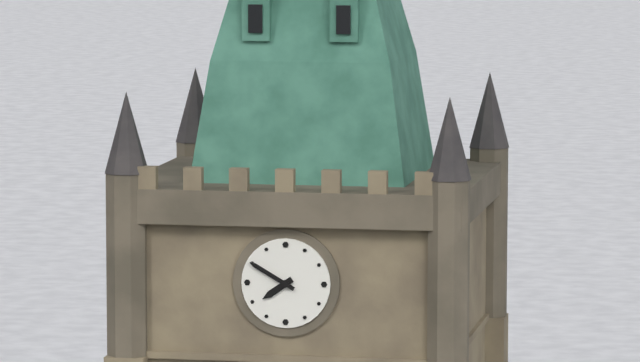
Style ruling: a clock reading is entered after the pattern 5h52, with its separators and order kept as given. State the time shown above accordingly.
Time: 7h50
